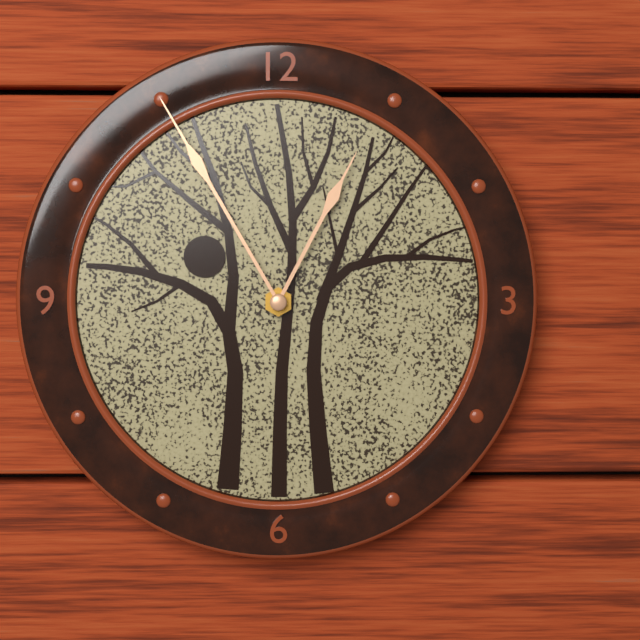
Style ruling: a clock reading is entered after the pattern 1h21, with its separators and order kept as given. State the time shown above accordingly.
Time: 12h55
